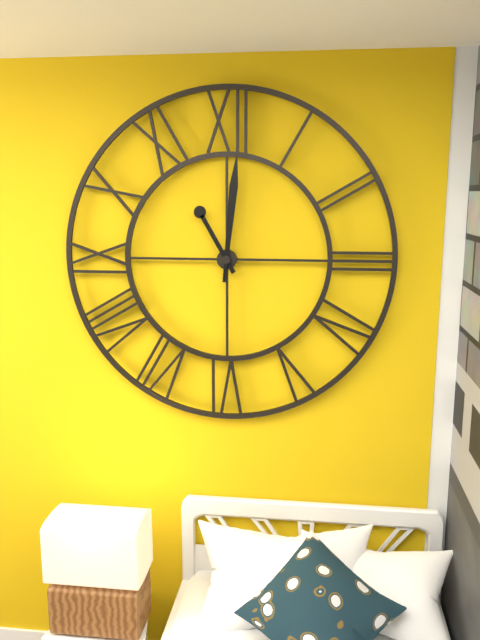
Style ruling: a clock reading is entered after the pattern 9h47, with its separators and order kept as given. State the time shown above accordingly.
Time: 11h01
